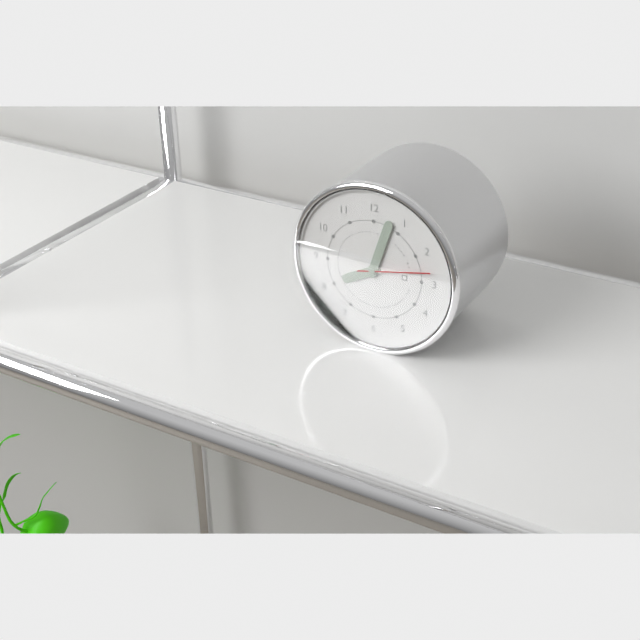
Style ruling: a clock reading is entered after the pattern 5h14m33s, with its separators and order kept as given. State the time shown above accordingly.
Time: 8h03m13s
